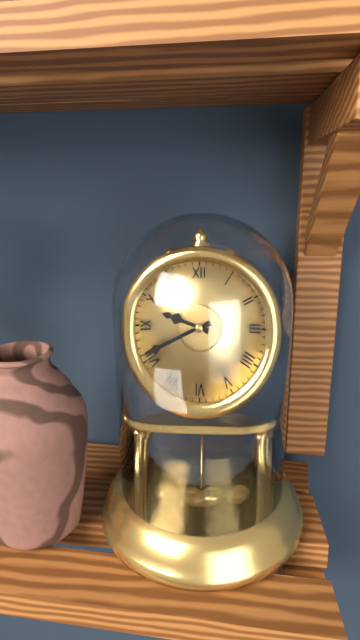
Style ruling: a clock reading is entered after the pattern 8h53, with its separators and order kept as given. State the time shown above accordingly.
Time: 9h41
